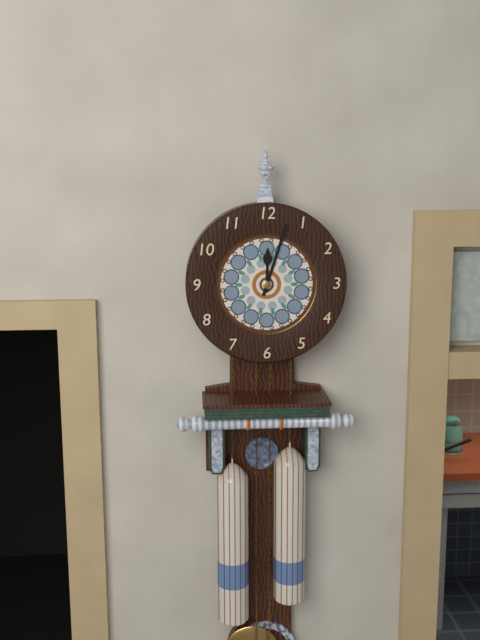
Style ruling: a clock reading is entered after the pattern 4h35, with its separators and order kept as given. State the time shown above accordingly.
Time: 12h03
